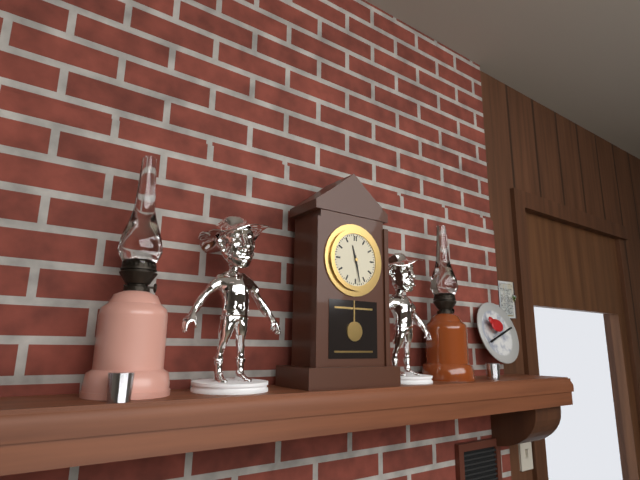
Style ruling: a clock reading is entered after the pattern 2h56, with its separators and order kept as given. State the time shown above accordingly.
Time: 11h28
